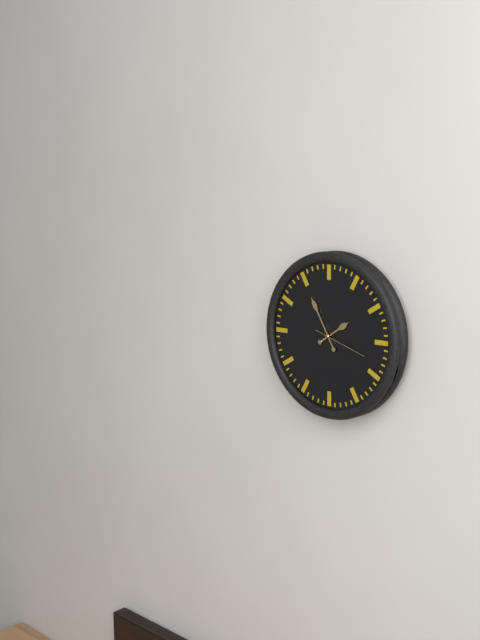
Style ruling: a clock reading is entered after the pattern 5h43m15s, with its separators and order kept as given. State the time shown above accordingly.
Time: 1h55m18s
